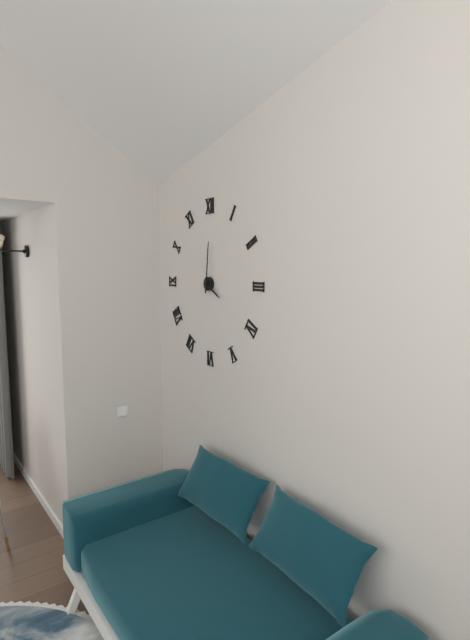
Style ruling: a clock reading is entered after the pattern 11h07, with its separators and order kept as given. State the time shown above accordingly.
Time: 4h01
